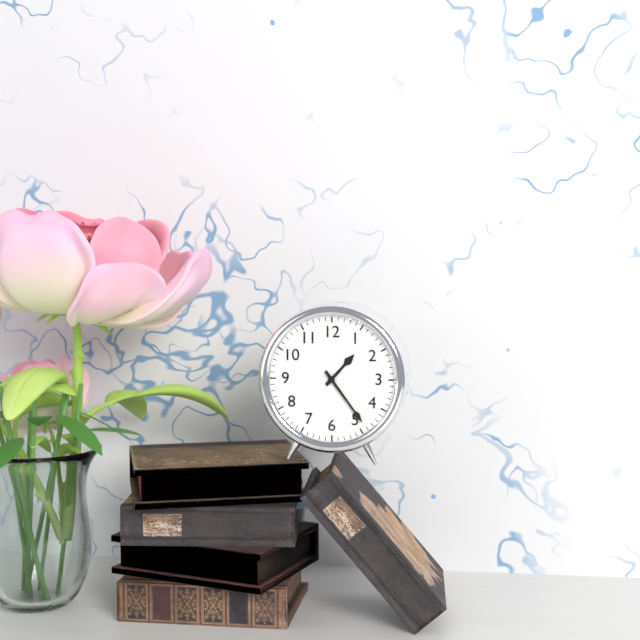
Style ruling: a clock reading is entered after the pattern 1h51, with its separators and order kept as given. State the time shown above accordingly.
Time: 1h24
